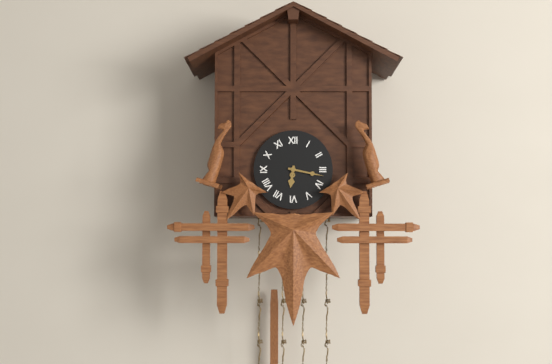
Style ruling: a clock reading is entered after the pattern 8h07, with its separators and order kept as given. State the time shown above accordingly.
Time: 6h17
